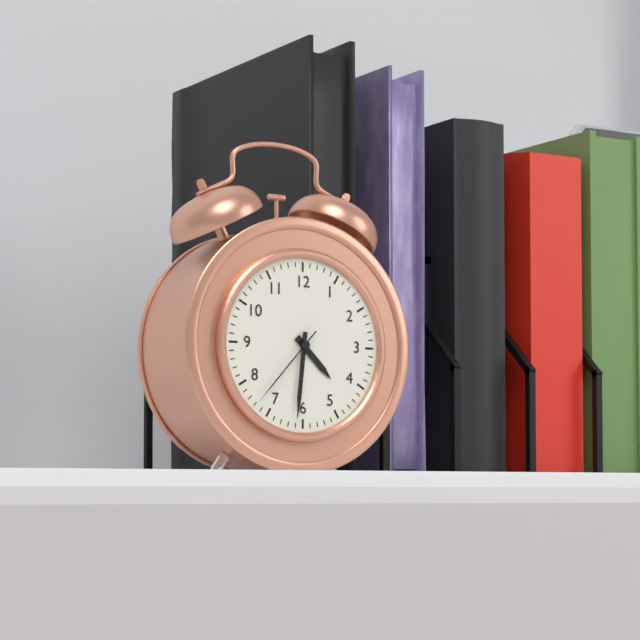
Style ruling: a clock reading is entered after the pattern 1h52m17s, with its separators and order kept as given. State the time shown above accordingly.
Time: 4h31m37s
